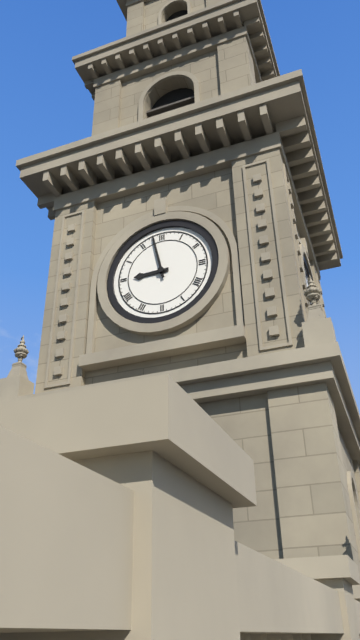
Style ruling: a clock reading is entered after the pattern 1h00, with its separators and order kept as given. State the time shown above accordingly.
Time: 8h58
